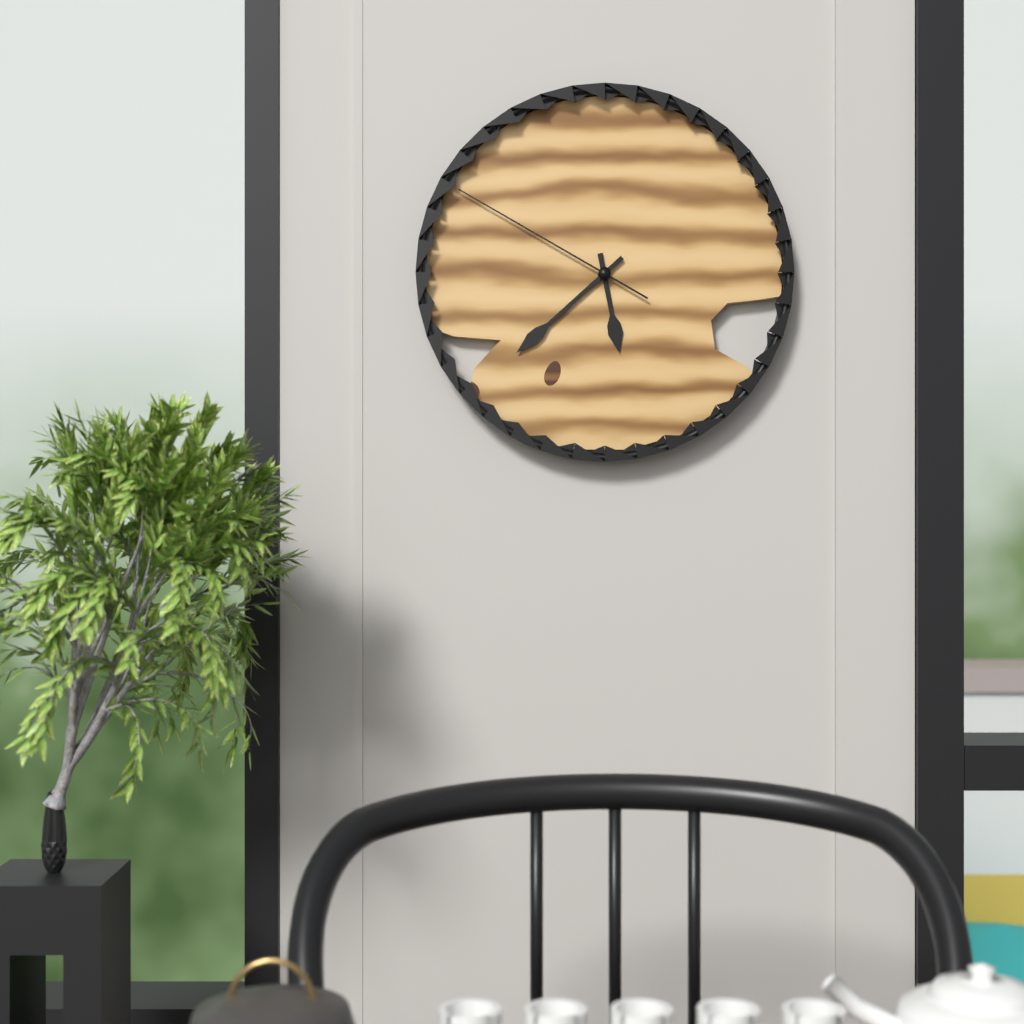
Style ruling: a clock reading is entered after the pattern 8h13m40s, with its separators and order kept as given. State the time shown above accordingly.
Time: 5h38m50s
